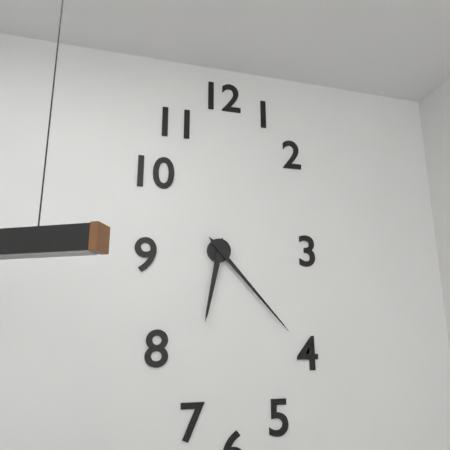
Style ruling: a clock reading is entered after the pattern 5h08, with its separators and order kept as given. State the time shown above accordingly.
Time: 6h23
